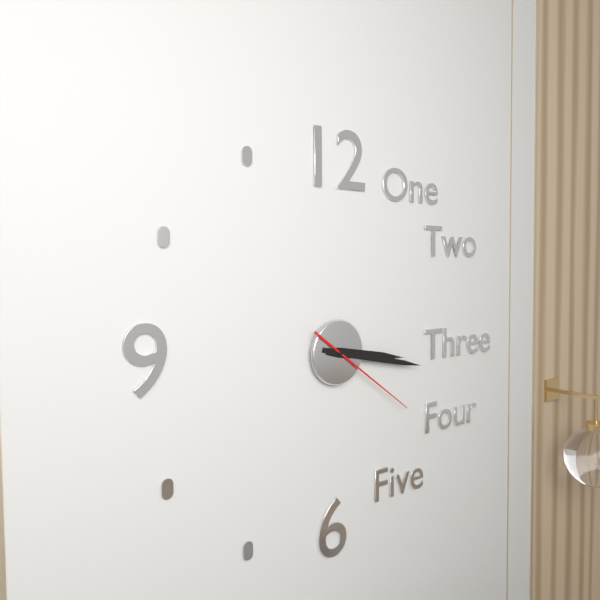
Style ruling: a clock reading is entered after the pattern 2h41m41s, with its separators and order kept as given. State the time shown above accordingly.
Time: 3h17m21s
